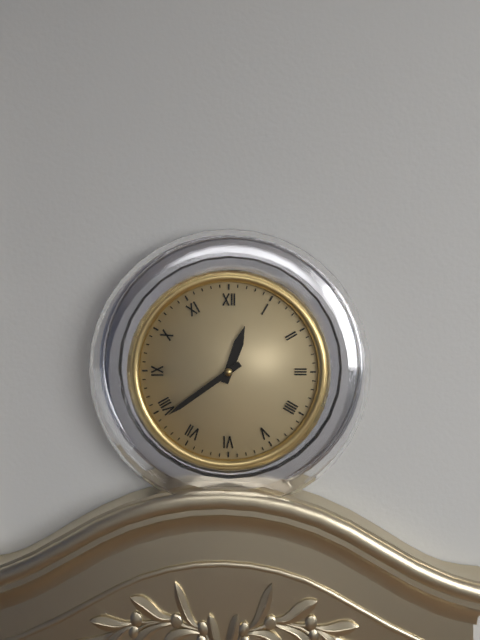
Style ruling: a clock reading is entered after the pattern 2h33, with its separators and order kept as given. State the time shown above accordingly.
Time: 12h39
